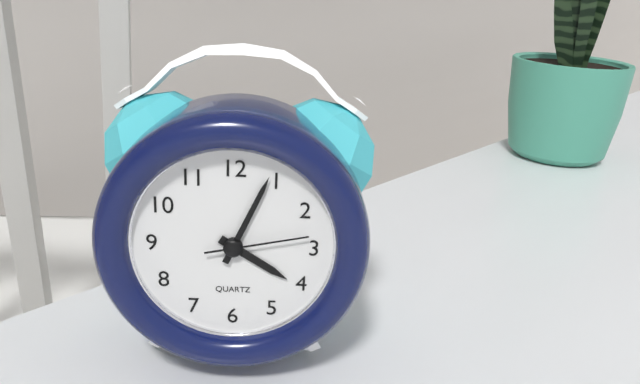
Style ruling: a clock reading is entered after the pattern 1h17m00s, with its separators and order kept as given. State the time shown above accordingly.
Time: 4h04m13s
